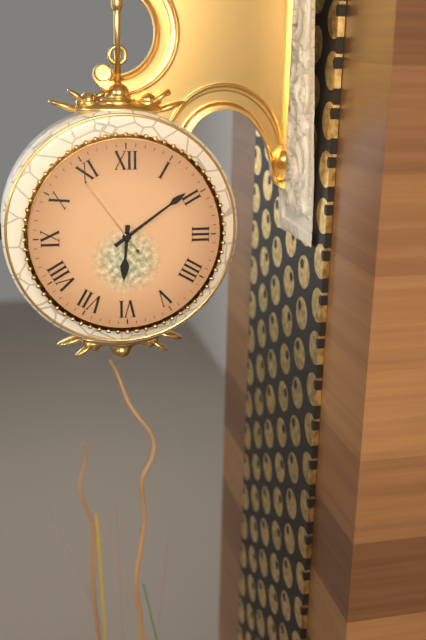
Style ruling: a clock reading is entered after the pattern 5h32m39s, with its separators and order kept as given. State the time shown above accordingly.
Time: 6h09m54s
